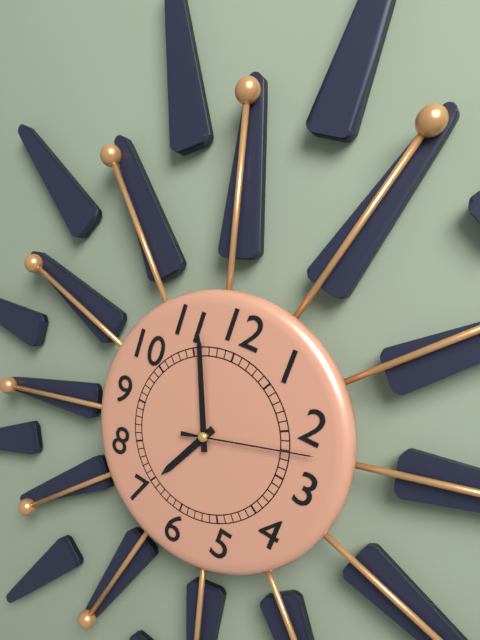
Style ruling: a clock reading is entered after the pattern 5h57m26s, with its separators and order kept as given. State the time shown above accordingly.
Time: 6h56m12s
